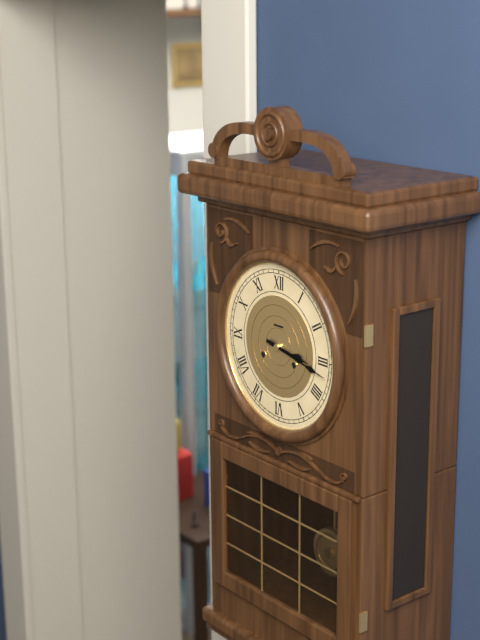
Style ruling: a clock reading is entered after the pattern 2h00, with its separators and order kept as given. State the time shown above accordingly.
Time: 3h17
